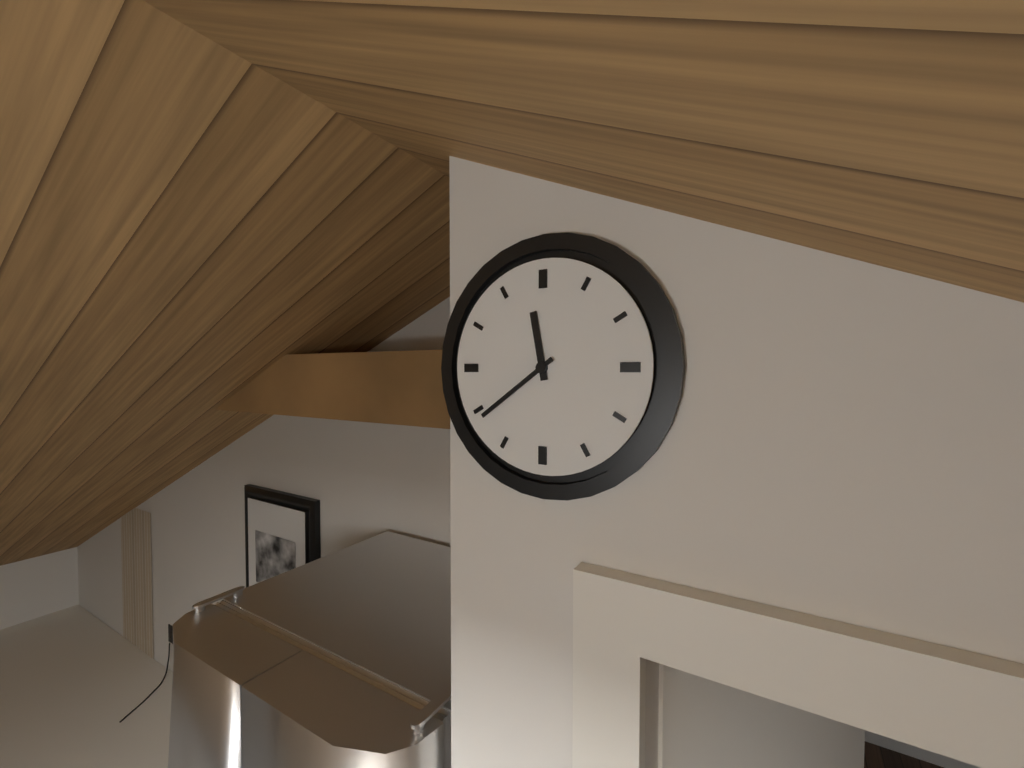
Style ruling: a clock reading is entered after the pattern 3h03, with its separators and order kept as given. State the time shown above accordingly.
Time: 11h39
